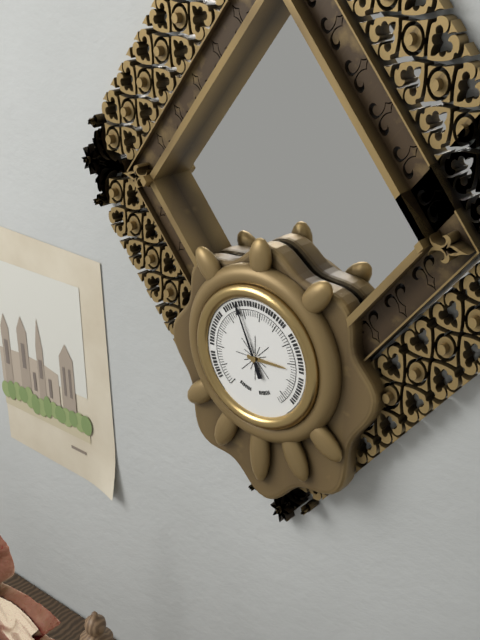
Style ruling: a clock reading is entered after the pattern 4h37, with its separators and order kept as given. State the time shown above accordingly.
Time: 2h56
